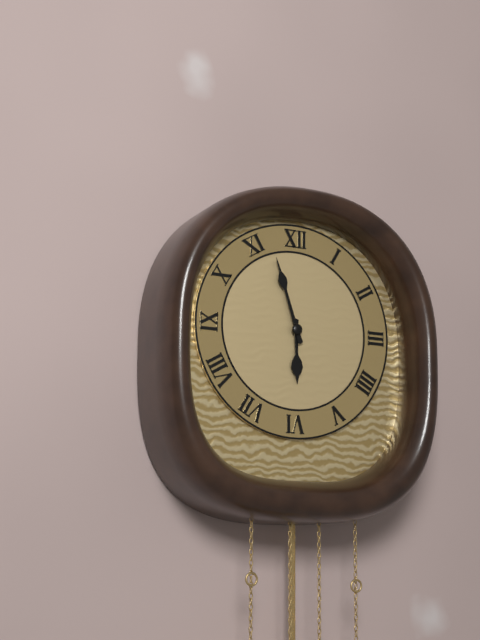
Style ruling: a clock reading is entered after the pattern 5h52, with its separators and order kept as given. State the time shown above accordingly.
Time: 5h57
